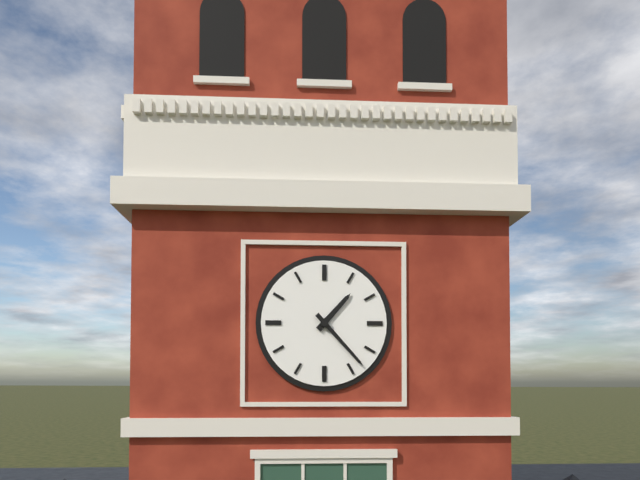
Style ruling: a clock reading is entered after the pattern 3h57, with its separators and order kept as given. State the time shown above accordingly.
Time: 1h23
